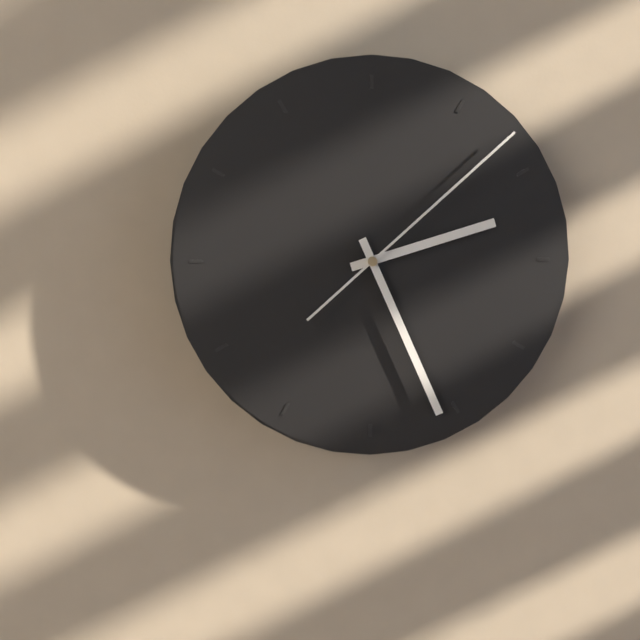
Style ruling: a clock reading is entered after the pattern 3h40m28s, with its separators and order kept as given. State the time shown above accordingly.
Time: 2h26m08s
